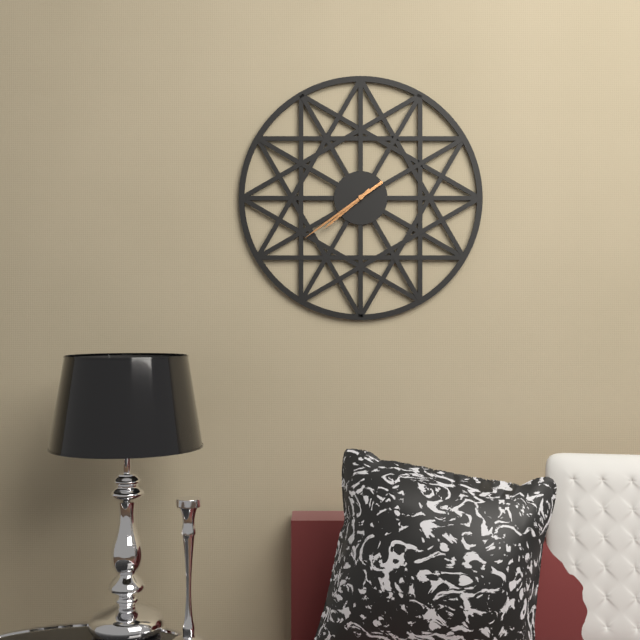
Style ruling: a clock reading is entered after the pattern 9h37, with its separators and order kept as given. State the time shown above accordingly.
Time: 7h39
